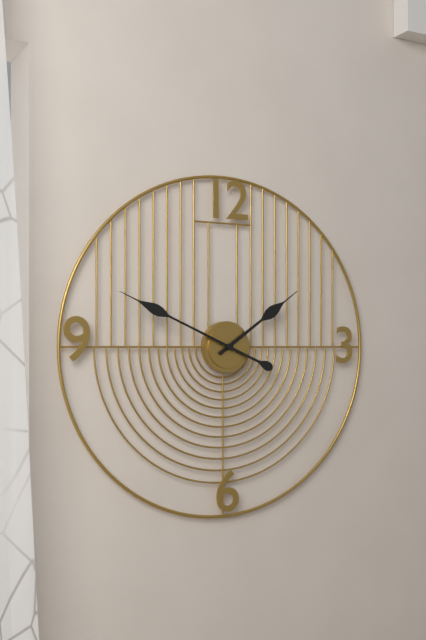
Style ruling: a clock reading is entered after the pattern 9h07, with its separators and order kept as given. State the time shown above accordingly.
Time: 1h49
